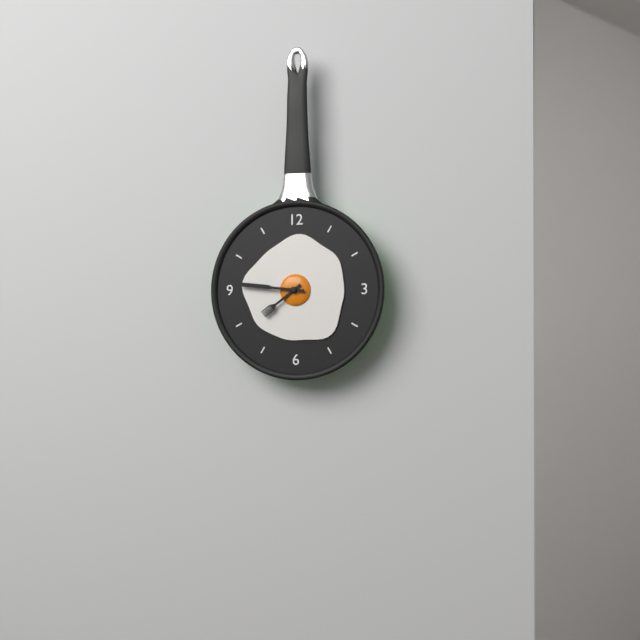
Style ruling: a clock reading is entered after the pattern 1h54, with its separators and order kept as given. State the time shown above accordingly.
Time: 7h46
